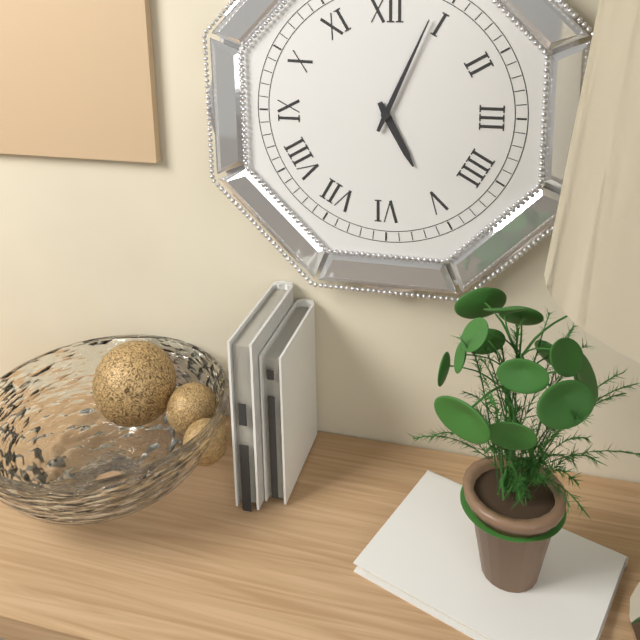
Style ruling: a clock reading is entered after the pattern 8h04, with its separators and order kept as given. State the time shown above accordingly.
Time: 5h04
